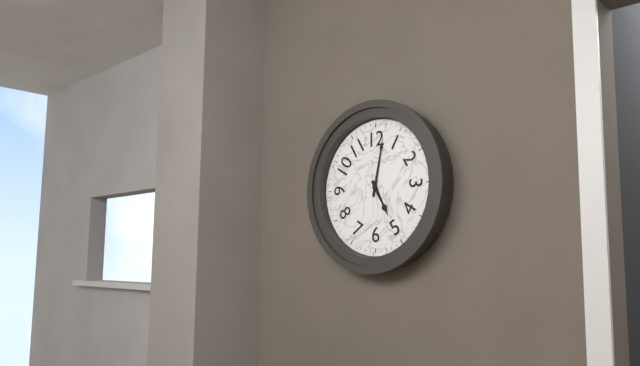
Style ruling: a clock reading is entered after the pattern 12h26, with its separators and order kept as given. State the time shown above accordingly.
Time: 5h02
